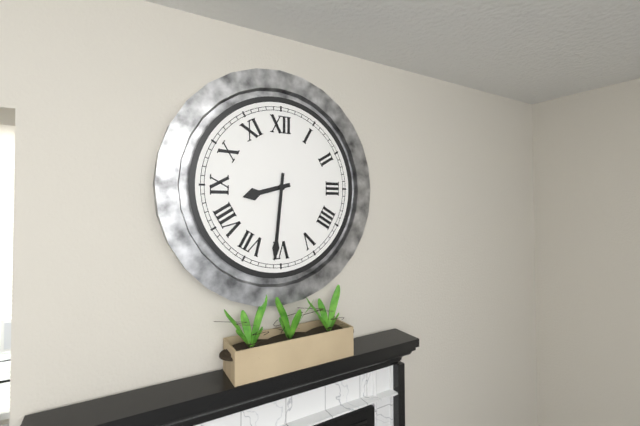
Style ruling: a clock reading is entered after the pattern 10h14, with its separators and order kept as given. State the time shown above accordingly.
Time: 8h31
